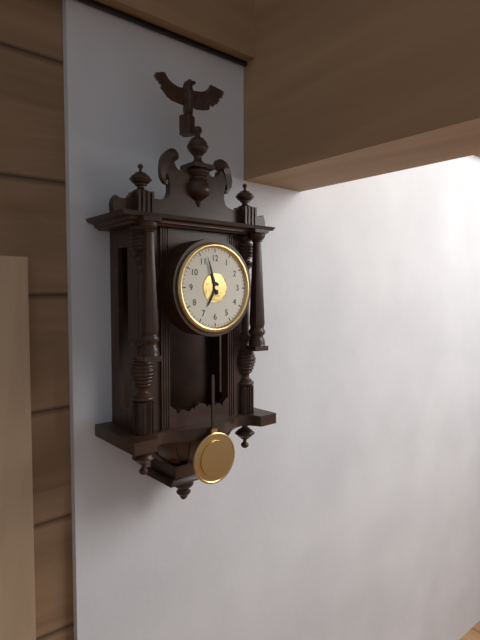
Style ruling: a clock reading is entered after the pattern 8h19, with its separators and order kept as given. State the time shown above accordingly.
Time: 6h57
